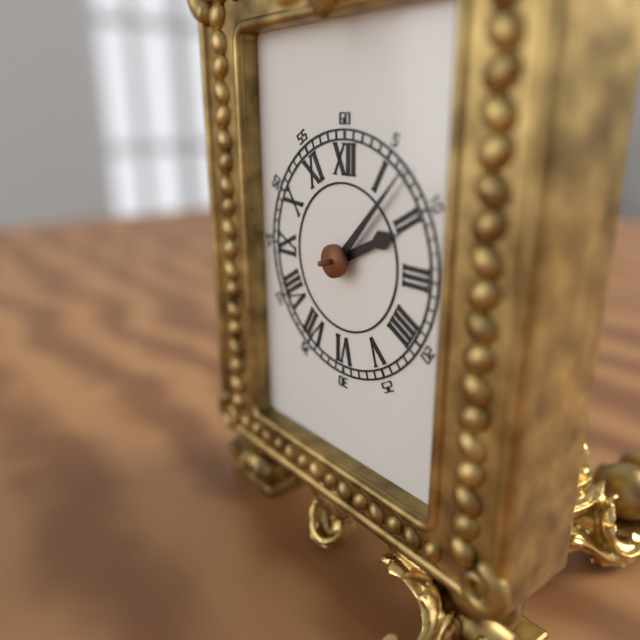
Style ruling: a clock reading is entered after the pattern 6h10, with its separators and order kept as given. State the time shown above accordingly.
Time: 2h07
